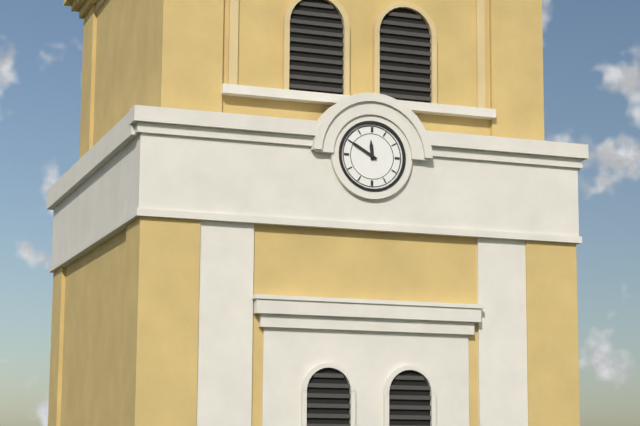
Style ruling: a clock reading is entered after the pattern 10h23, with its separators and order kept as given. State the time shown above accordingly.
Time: 11h50
